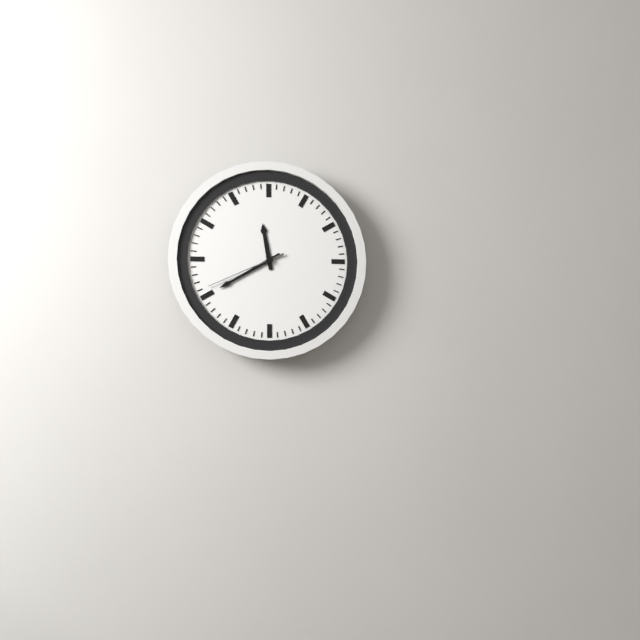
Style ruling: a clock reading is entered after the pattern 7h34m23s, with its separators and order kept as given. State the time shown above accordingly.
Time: 11h40m41s
